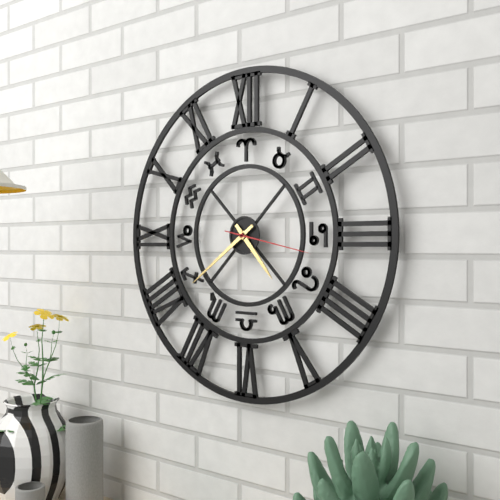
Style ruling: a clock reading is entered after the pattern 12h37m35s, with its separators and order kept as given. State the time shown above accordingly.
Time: 4h39m17s
